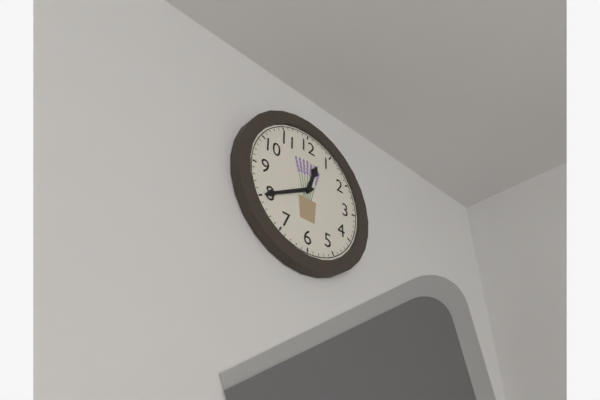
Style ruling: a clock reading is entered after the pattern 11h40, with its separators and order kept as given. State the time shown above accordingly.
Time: 12h40
